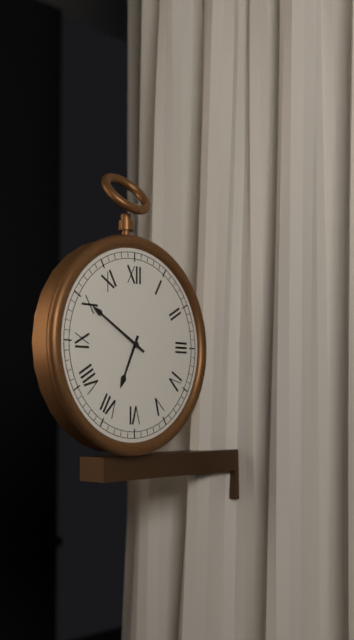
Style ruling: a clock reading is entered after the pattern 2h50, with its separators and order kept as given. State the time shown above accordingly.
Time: 6h50
